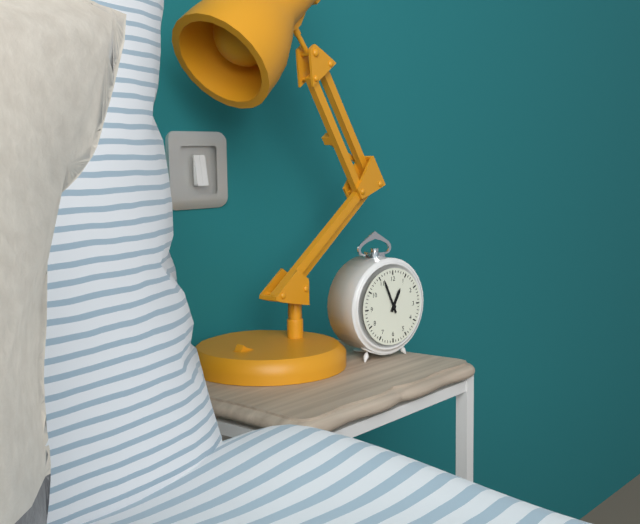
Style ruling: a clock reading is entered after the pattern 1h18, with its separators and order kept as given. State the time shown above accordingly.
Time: 12h56
